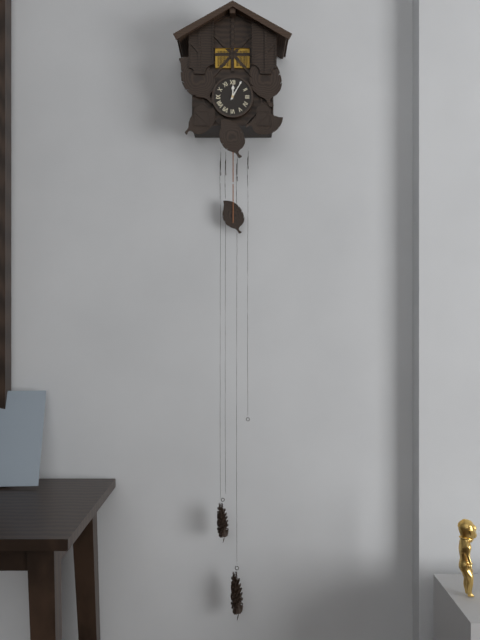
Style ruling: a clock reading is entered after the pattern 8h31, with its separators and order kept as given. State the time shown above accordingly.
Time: 12h05
